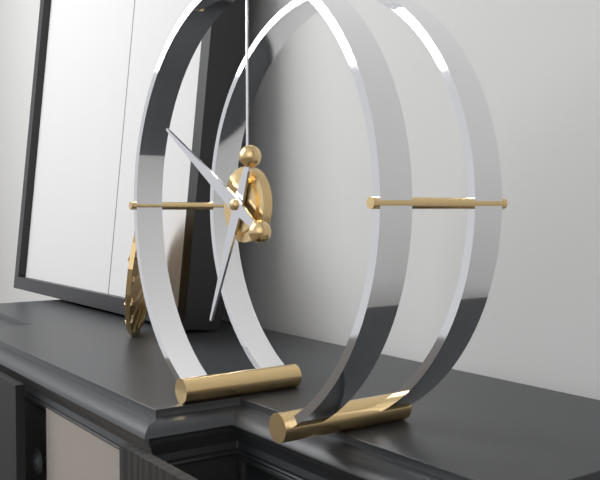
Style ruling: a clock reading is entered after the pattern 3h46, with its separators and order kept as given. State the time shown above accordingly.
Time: 6h50
